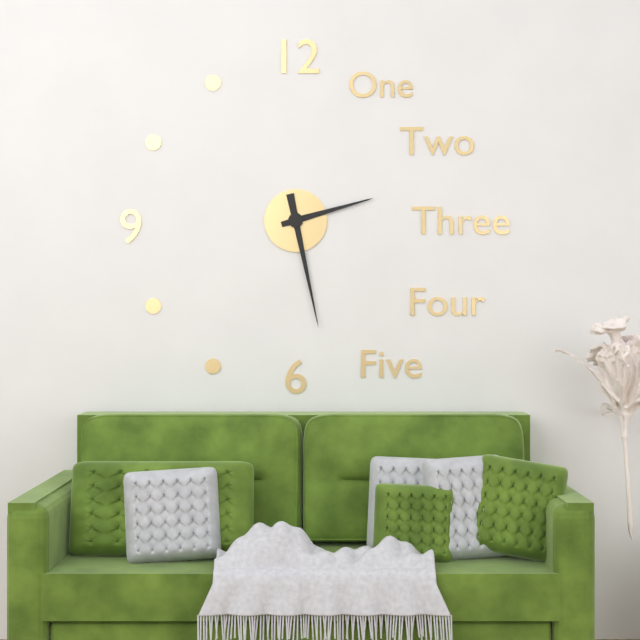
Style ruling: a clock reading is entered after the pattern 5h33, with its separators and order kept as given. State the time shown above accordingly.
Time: 2h28
